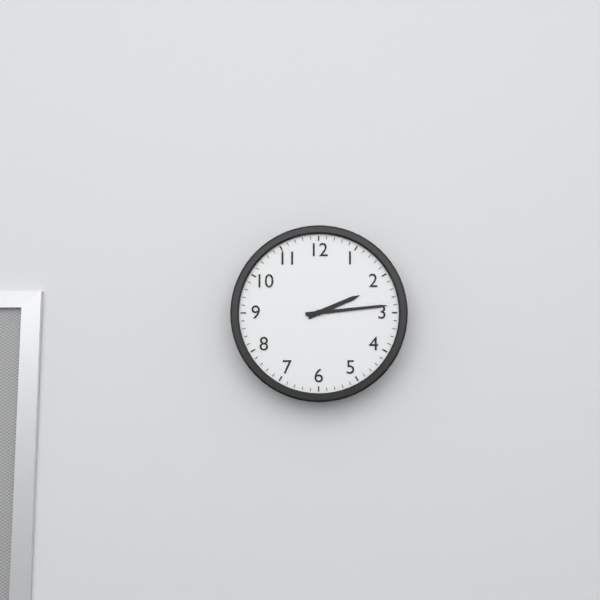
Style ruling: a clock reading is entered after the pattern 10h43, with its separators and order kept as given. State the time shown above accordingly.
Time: 2h14
